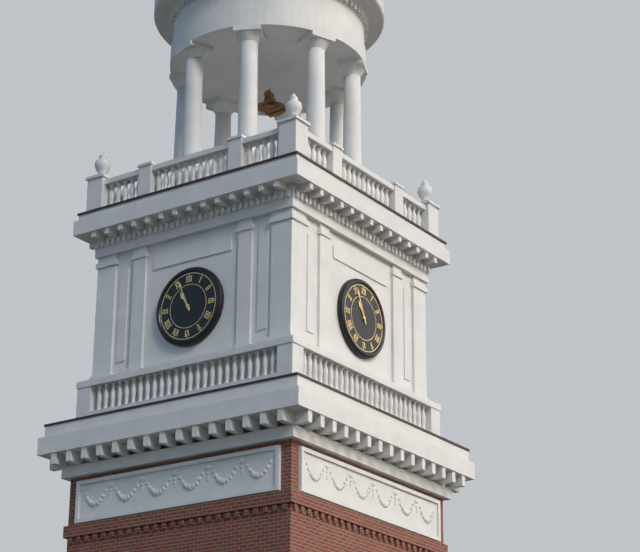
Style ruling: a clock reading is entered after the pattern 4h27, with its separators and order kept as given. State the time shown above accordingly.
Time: 10h56
